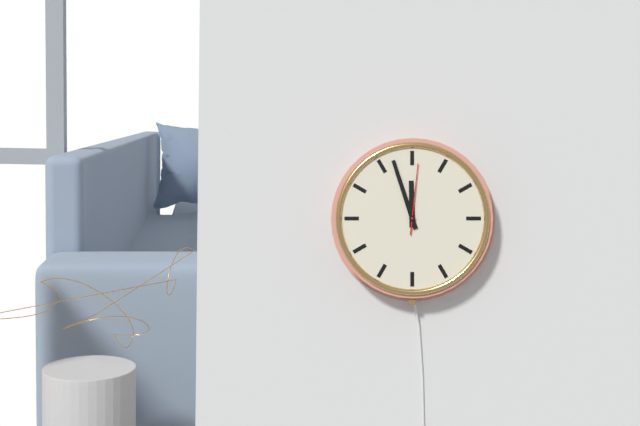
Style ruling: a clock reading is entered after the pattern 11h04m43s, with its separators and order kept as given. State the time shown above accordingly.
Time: 11h57m01s
